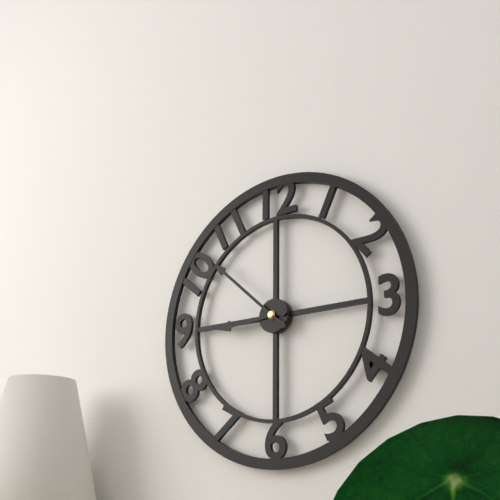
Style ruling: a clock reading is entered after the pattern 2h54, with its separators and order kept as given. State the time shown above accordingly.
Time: 8h52
